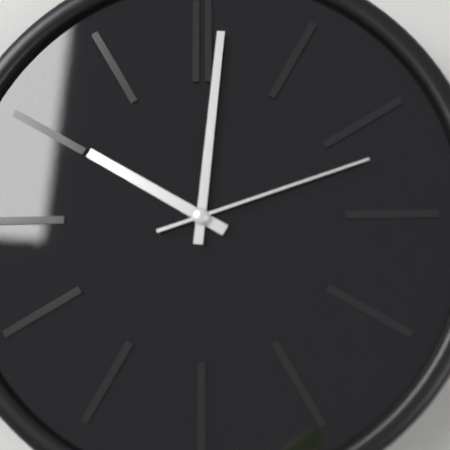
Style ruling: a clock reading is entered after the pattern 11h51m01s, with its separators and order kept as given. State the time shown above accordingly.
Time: 10h01m12s
